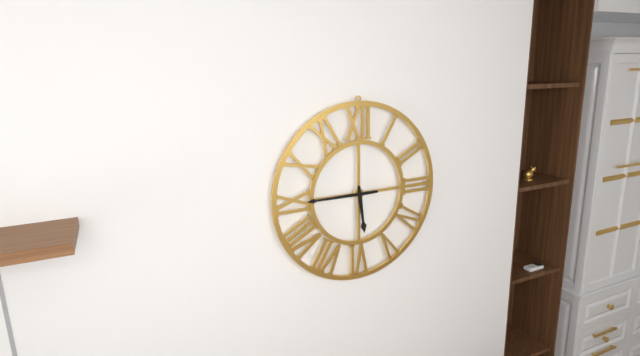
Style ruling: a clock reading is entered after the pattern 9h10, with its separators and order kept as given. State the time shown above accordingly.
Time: 5h45
